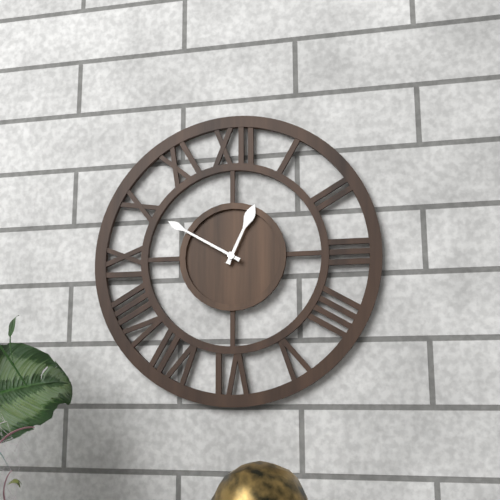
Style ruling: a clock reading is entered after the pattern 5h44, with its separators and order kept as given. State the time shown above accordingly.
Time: 12h50
